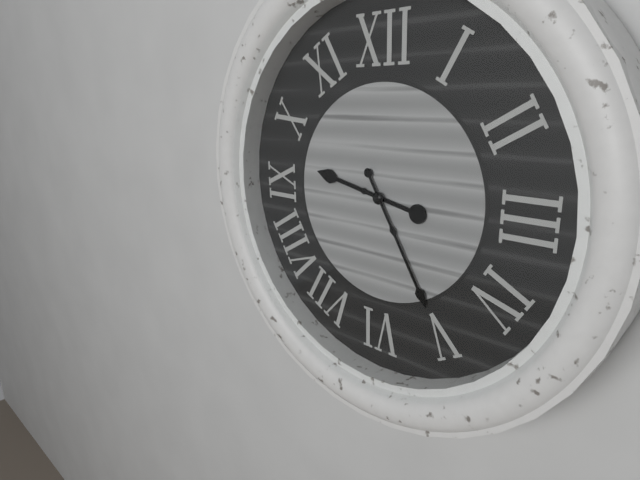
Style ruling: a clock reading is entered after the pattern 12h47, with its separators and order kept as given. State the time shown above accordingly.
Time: 9h25
